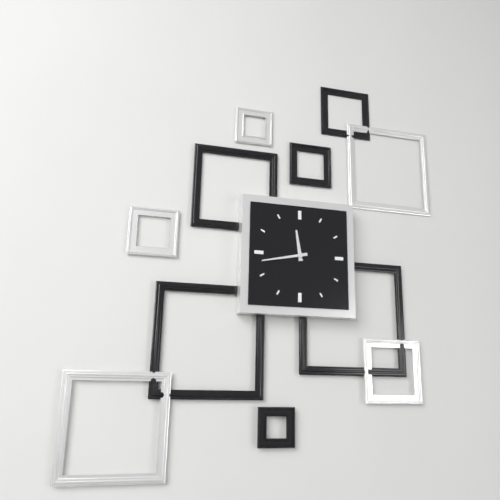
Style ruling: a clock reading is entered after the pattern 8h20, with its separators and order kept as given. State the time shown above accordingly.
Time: 11h43
